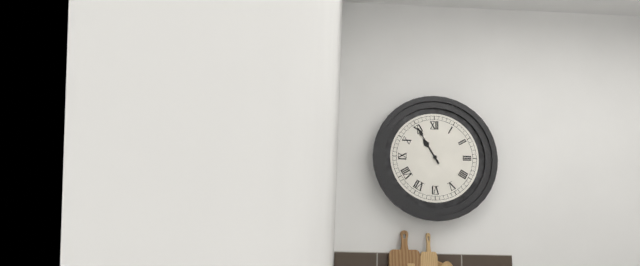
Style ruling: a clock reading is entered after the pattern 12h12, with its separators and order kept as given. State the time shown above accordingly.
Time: 10h55
